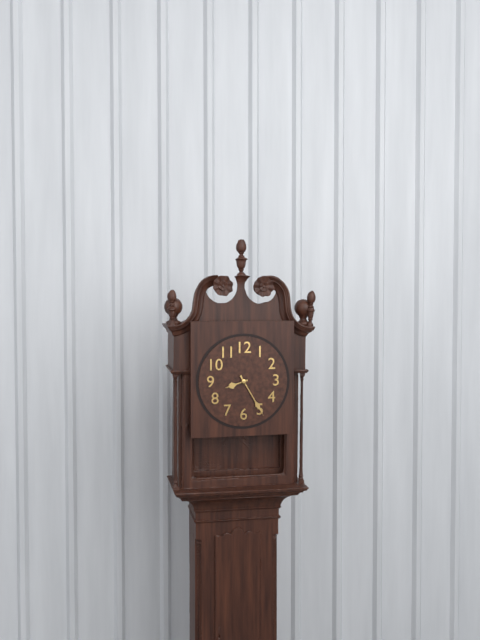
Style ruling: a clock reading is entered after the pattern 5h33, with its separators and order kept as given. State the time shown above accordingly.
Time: 8h25
